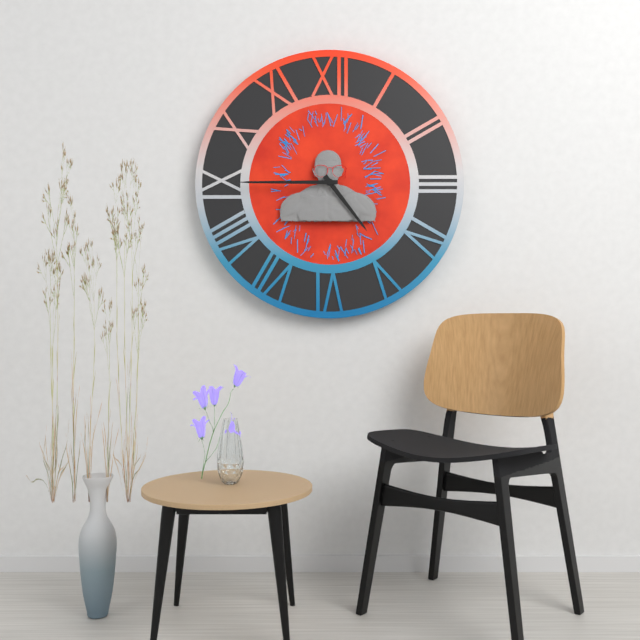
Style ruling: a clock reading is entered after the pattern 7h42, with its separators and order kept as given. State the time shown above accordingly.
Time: 4h45
